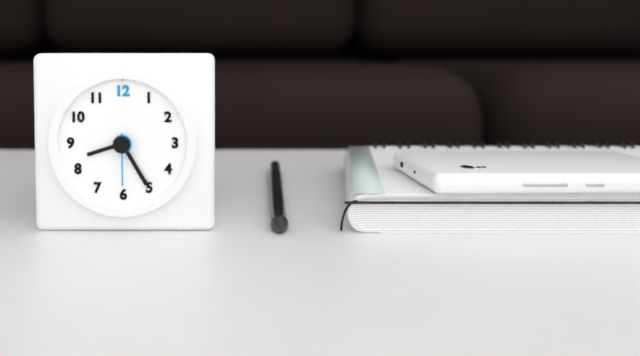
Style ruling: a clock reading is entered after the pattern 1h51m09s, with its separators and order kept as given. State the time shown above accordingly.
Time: 8h25m30s
